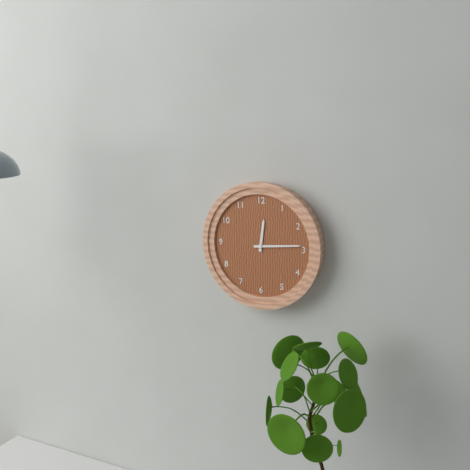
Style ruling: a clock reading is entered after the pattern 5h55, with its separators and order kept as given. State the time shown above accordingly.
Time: 12h14
